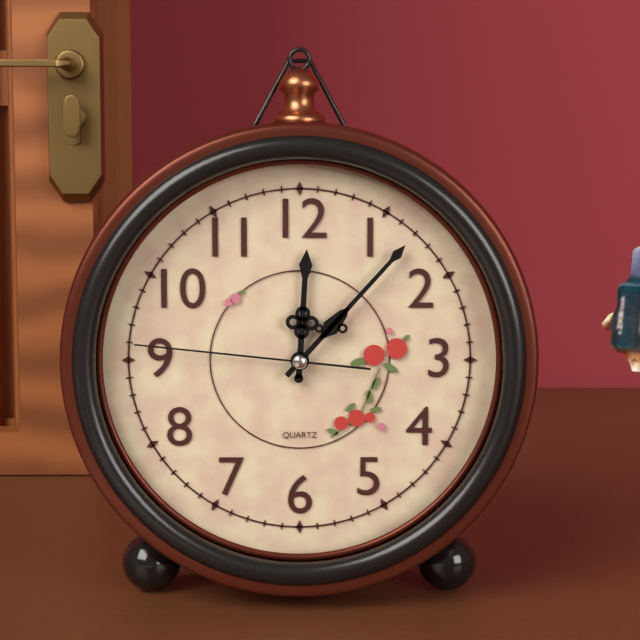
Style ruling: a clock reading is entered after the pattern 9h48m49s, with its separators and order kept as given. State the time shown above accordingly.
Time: 12h07m46s
